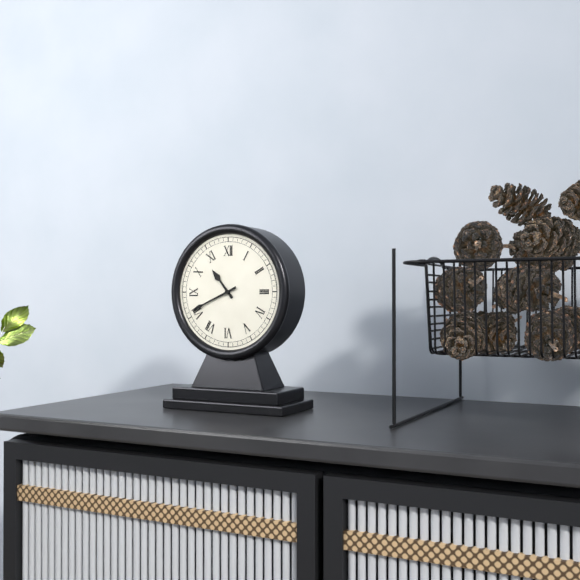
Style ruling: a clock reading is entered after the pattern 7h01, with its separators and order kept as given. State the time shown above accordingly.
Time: 10h41
